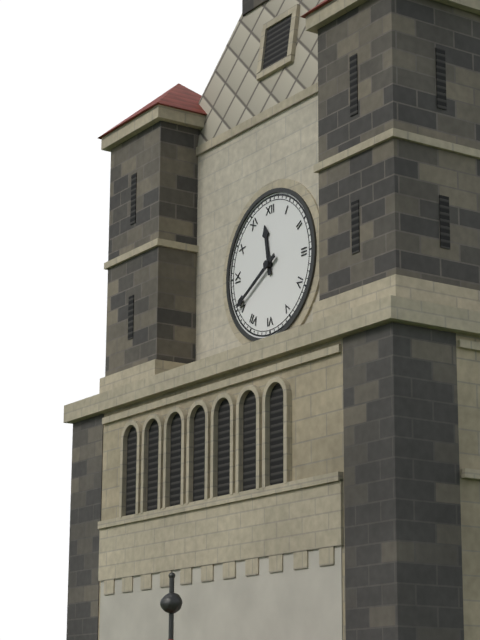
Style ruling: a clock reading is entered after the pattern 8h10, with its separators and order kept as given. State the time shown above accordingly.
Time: 11h40
